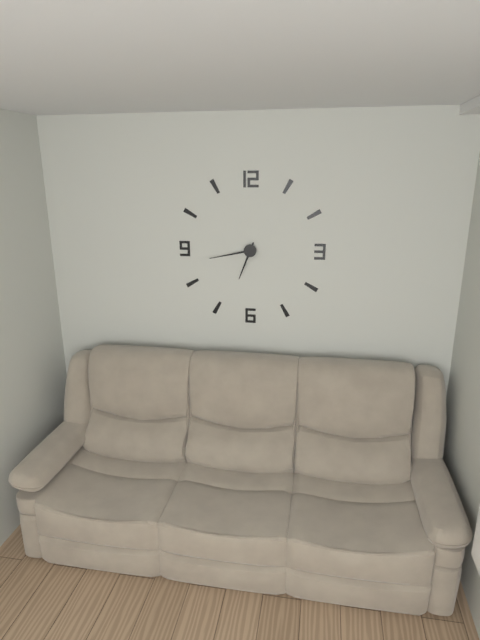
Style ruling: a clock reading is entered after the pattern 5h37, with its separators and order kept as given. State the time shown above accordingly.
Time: 6h43
